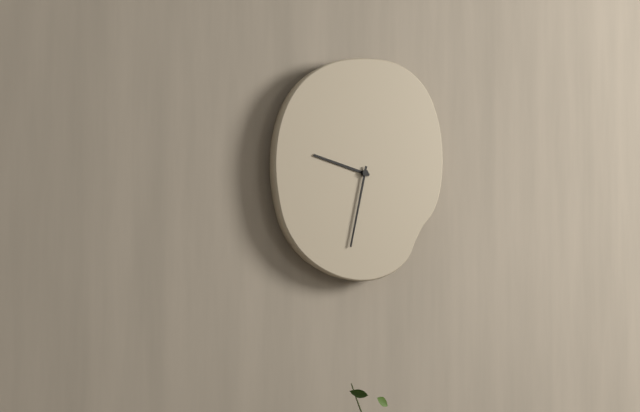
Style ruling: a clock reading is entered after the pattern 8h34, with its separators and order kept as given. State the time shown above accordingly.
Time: 9h32
